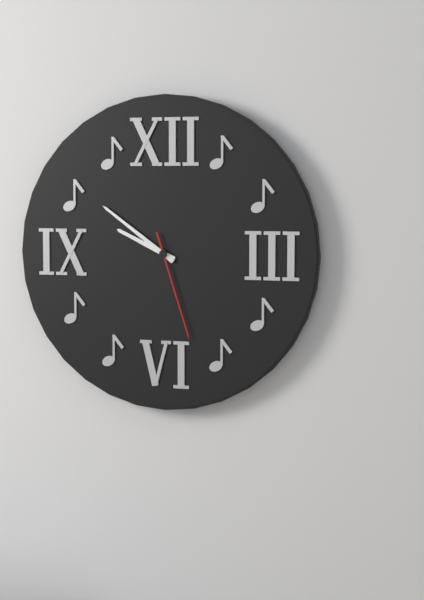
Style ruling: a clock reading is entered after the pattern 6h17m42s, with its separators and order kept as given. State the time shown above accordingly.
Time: 9h51m27s
